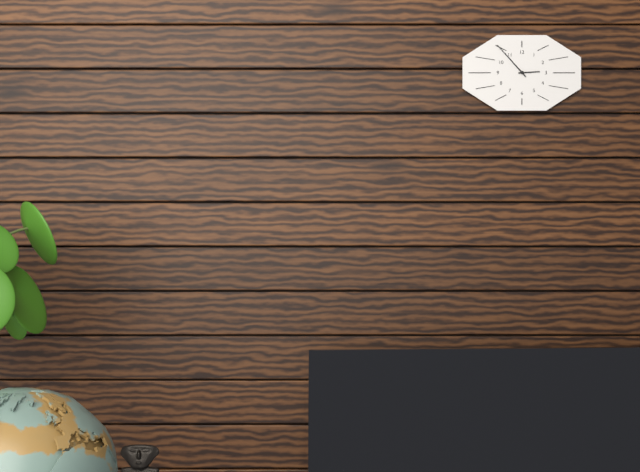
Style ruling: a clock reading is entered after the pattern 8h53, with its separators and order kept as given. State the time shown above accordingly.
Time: 2h53
